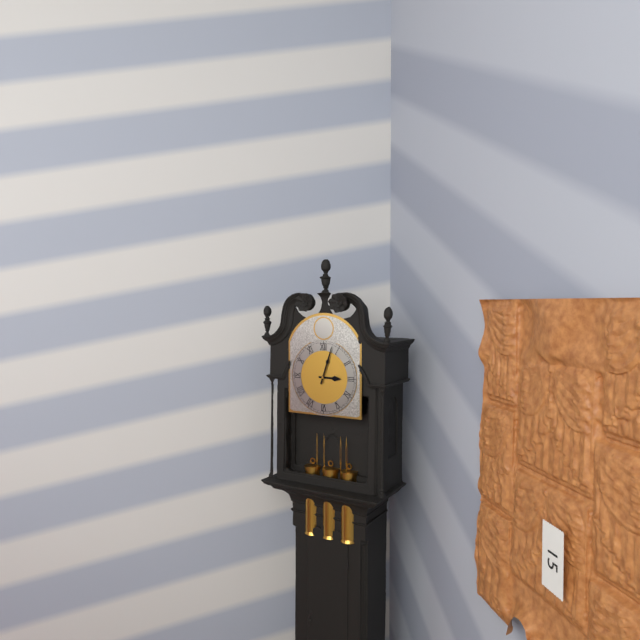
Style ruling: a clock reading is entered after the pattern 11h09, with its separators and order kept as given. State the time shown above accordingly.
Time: 3h03
